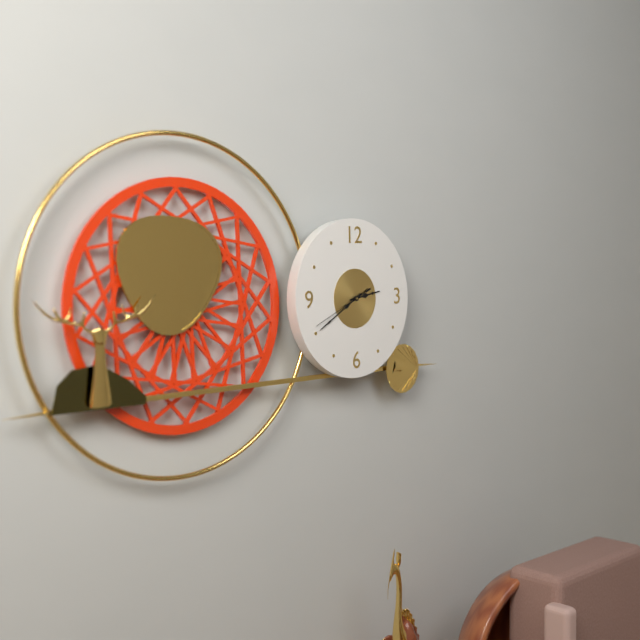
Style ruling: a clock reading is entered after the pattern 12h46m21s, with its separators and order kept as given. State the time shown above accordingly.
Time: 2h40m41s
